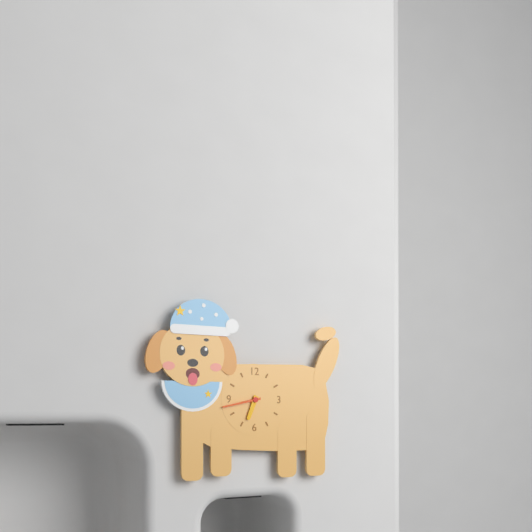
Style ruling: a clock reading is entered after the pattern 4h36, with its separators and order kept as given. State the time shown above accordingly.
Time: 6h43
